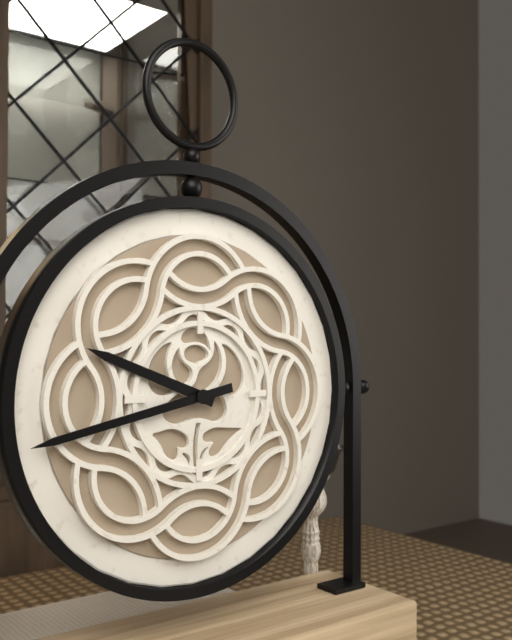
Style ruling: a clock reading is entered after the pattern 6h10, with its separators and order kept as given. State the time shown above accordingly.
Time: 9h43
